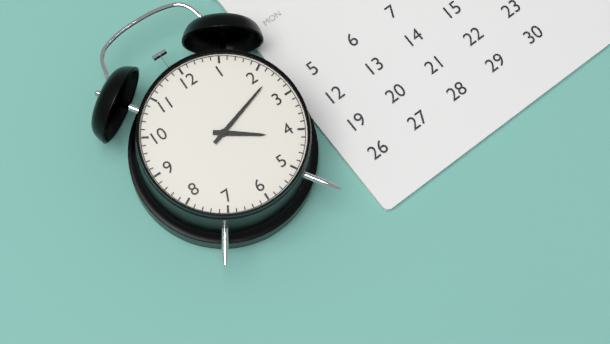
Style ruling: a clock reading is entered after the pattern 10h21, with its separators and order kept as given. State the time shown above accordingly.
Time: 4h12
